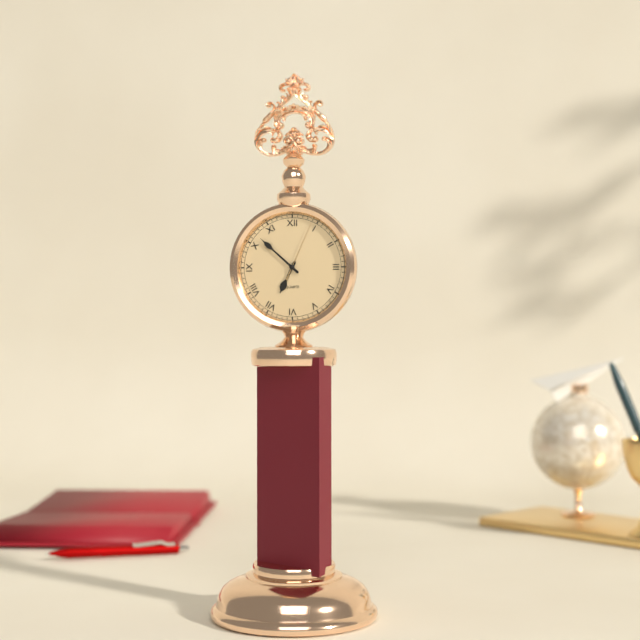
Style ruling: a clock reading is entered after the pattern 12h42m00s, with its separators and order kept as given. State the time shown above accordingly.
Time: 6h52m04s
